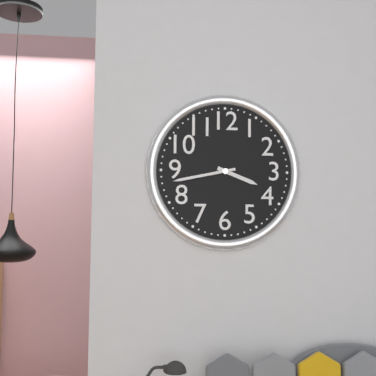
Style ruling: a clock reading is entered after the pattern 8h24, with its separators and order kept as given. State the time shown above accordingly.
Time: 3h43
